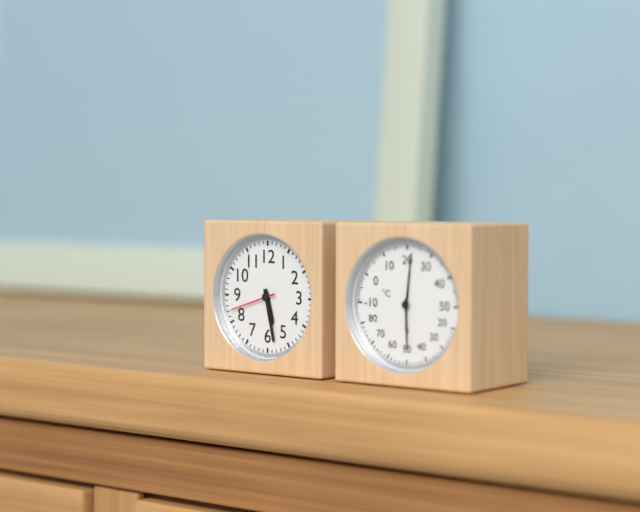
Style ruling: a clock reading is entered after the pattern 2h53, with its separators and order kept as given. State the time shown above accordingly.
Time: 5h28
